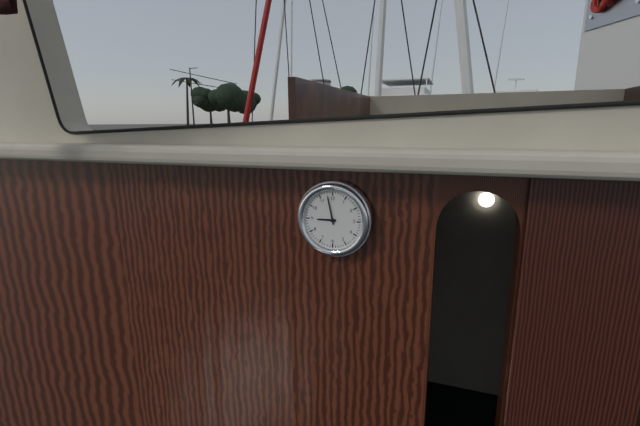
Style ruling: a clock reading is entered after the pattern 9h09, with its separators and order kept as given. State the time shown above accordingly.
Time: 8h58
